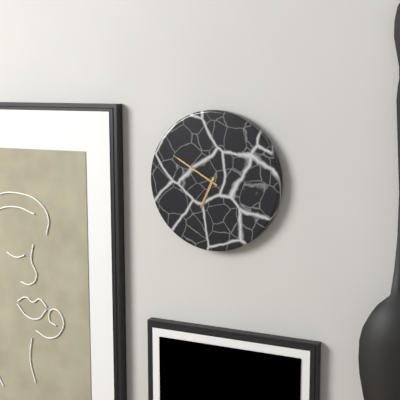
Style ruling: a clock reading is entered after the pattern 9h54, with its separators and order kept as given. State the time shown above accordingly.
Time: 6h50
